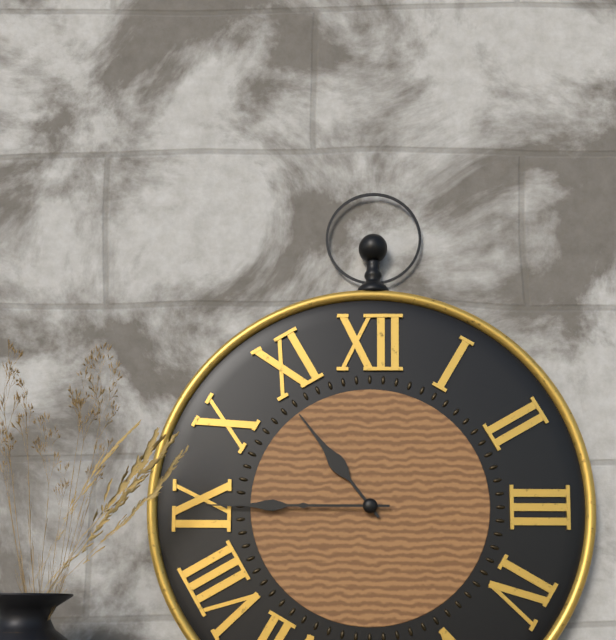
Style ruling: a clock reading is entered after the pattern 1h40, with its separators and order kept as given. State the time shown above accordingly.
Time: 10h45
